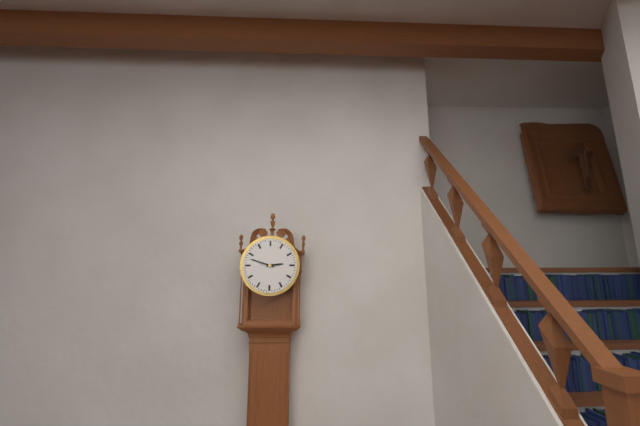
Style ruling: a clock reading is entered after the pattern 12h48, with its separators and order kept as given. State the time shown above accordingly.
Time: 2h48
